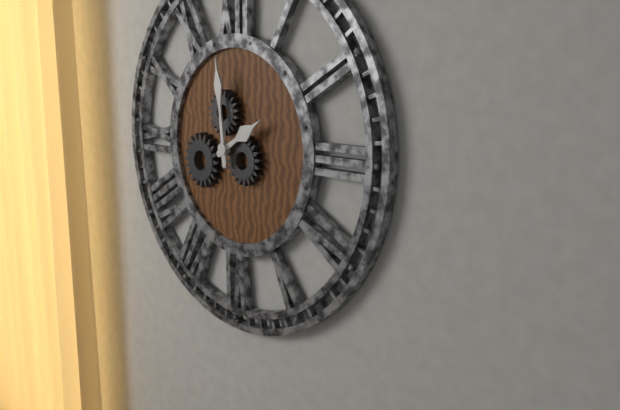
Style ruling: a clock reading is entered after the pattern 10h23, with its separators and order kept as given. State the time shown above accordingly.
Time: 1h59
